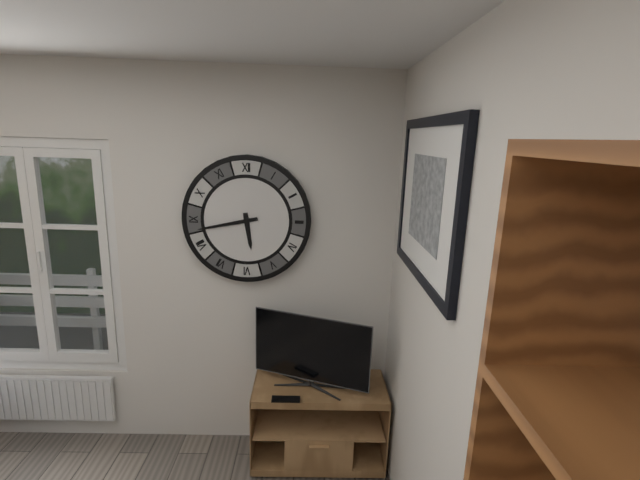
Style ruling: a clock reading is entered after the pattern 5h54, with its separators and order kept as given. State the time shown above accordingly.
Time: 5h43
